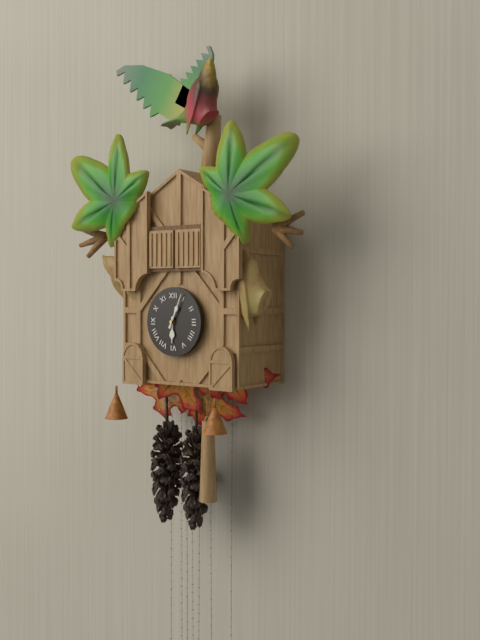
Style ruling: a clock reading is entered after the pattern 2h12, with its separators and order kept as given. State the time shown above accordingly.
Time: 6h04
